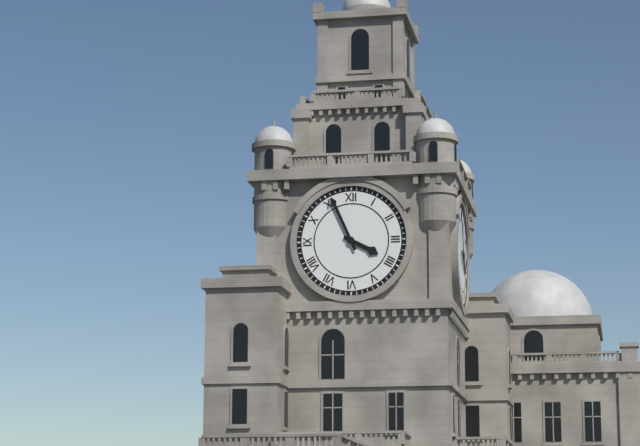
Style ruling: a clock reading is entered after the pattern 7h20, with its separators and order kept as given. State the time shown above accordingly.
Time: 3h56
